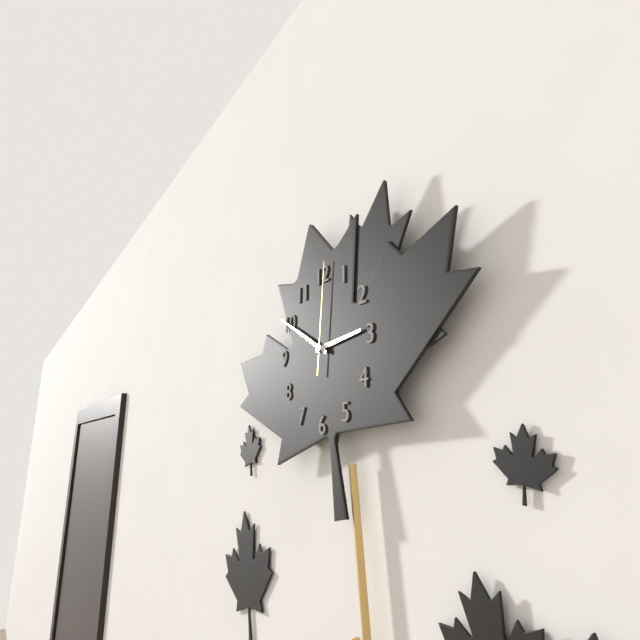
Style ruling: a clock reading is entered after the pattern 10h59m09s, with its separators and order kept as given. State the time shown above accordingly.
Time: 2h50m01s
